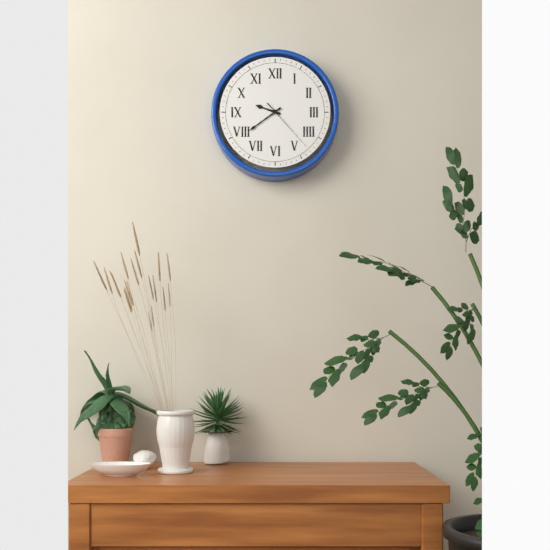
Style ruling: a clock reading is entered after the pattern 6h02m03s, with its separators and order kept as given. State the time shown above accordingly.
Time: 9h39m23s
